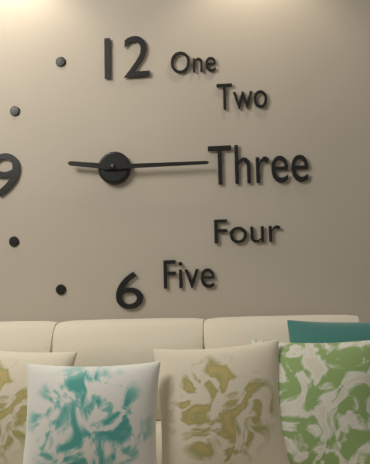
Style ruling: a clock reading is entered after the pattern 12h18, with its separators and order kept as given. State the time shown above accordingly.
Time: 9h15
